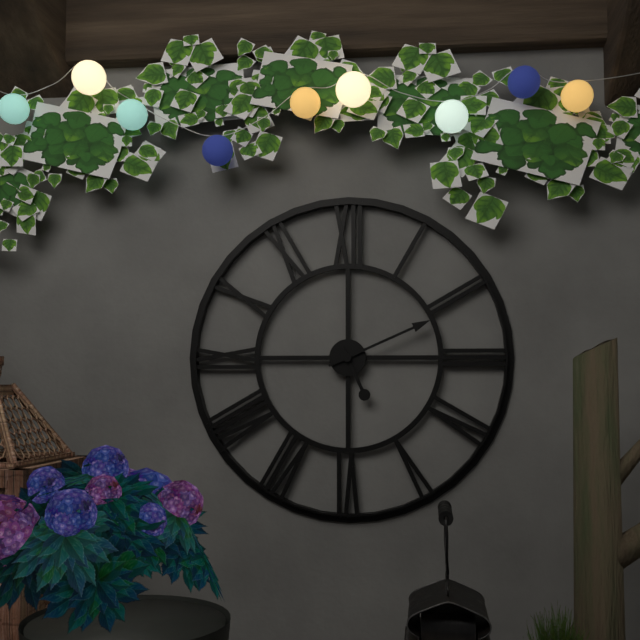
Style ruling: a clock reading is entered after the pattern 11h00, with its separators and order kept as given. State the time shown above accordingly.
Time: 5h11
